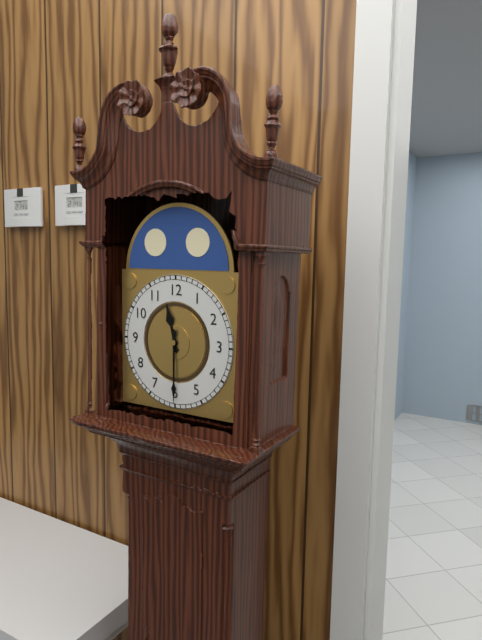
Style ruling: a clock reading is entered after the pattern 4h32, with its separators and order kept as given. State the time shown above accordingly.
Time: 11h30
